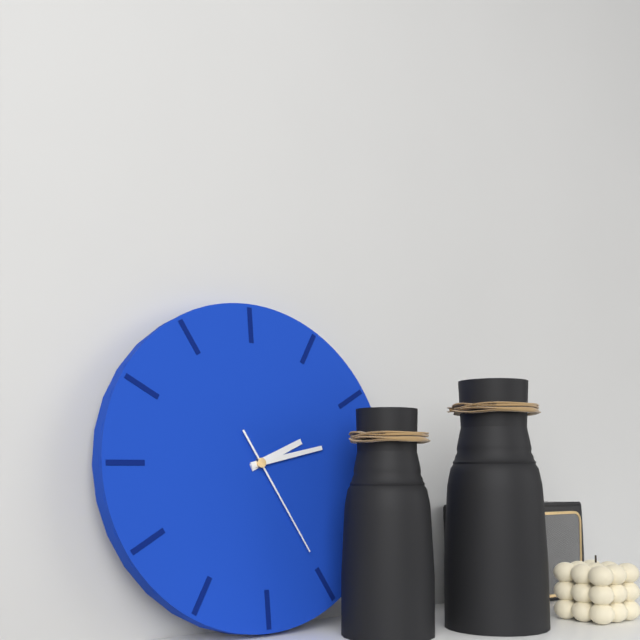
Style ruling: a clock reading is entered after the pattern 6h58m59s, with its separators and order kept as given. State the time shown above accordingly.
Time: 2h13m25s
